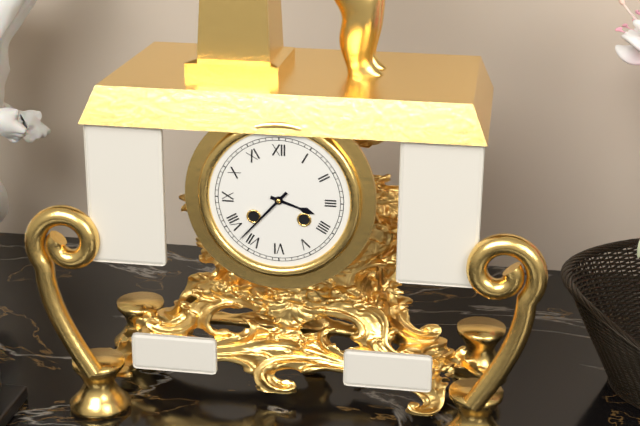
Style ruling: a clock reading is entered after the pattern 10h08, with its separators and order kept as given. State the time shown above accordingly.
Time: 3h37
